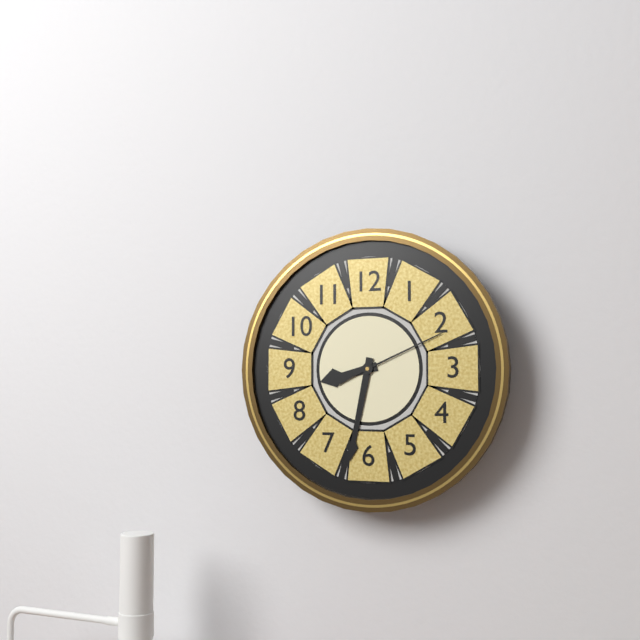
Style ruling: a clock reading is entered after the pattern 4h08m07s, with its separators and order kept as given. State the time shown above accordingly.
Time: 8h32m11s
